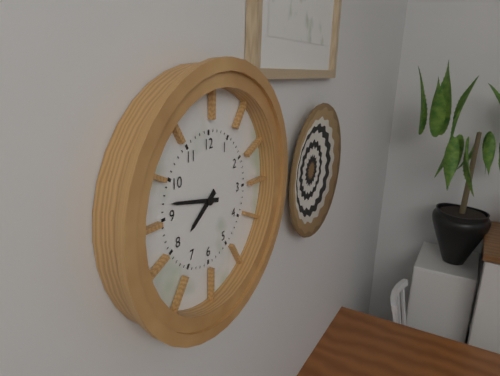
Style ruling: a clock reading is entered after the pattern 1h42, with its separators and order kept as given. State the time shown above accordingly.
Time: 7h47
